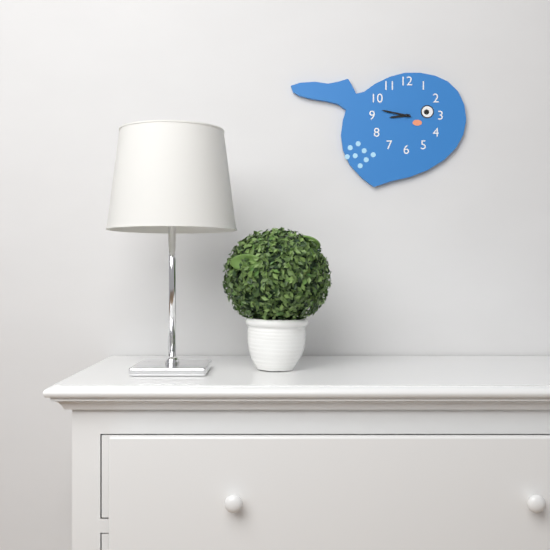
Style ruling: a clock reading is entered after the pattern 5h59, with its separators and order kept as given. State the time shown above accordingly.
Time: 8h47
